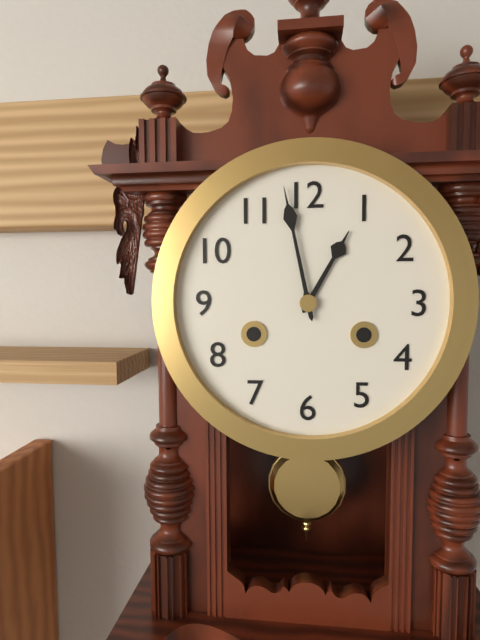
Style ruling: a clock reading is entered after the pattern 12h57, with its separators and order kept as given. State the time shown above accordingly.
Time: 12h58
